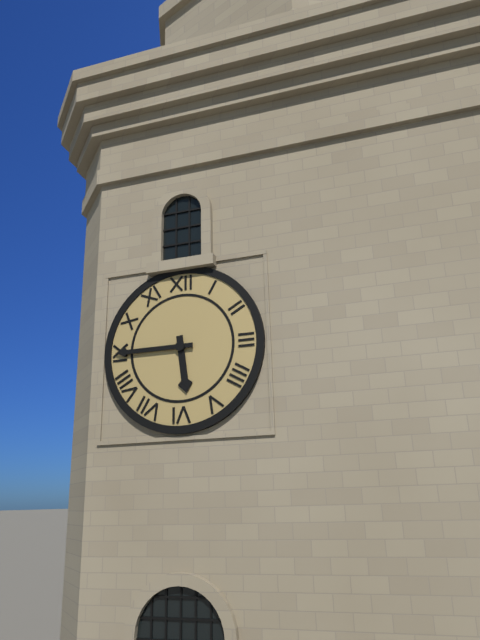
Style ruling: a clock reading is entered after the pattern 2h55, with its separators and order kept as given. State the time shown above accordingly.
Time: 5h45
